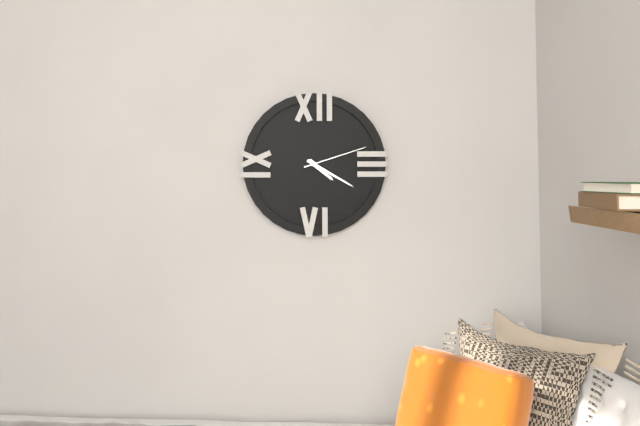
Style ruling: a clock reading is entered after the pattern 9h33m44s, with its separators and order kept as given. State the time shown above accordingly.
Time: 4h20m12s
